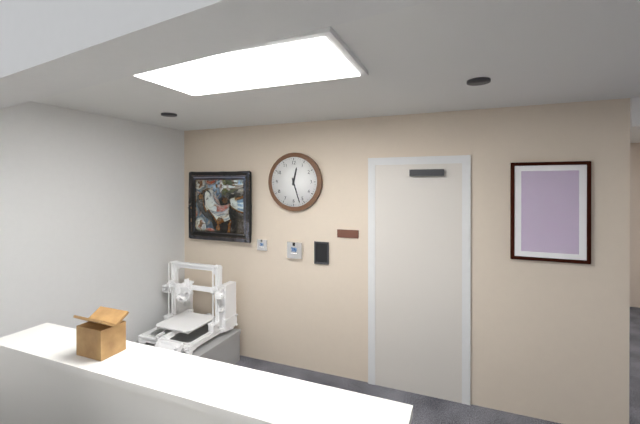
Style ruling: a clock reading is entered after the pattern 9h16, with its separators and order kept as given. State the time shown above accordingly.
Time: 12h27
